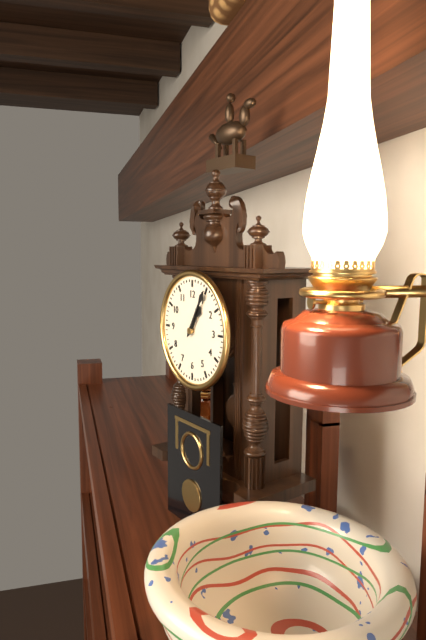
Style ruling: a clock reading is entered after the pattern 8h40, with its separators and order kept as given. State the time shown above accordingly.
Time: 1h05
